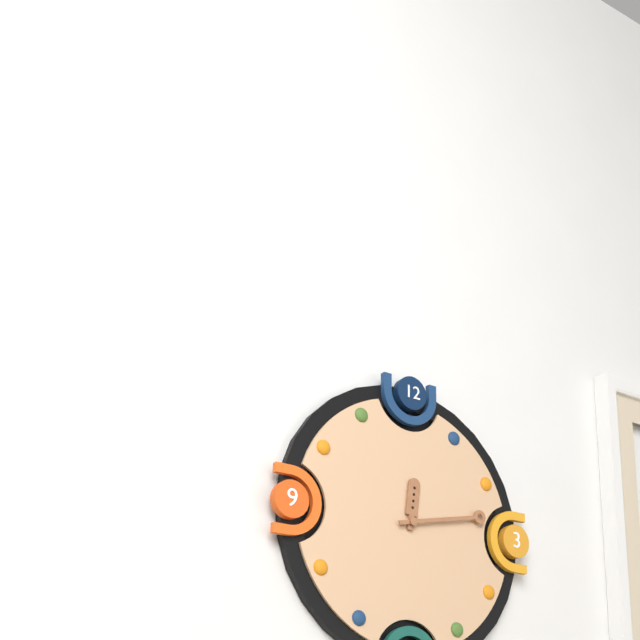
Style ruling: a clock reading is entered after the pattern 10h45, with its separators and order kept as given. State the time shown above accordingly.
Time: 12h13
